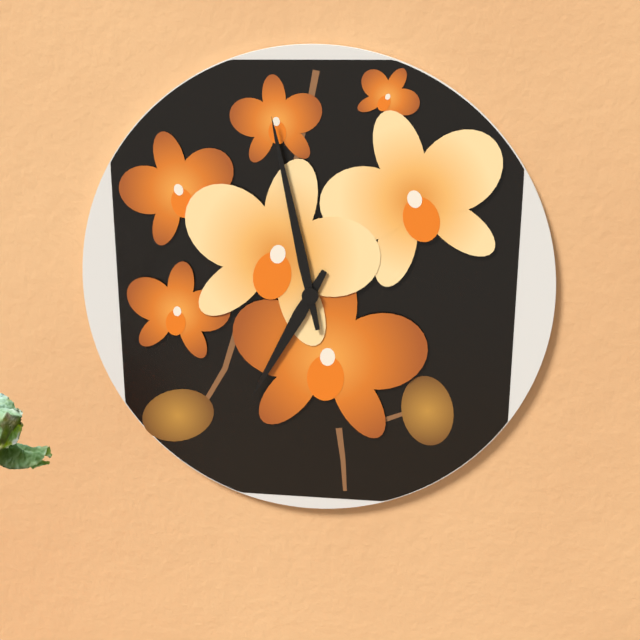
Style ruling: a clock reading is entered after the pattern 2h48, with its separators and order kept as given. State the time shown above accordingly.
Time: 6h58
